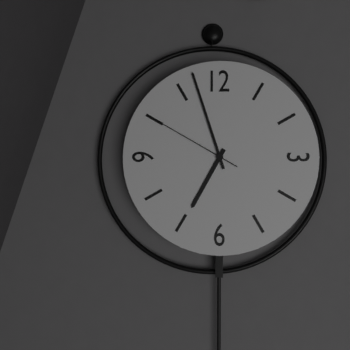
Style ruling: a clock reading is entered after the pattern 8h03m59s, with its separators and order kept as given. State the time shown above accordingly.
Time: 6h57m50s
